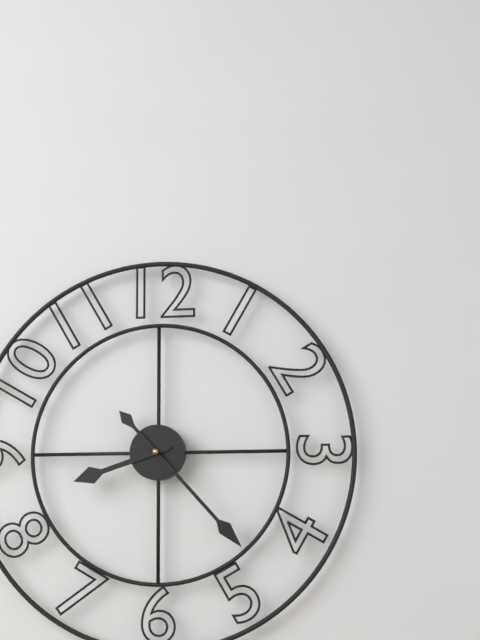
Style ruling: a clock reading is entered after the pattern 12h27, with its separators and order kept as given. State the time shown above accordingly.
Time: 8h23
